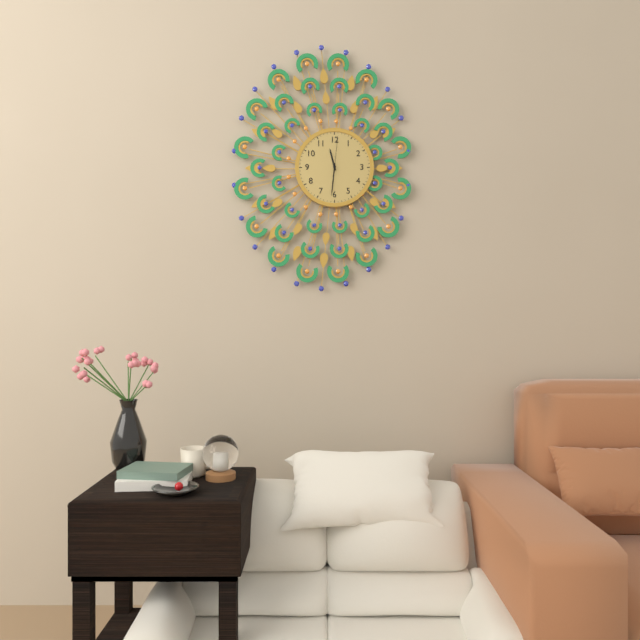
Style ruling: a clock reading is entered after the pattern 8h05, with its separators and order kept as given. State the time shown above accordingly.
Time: 11h31
